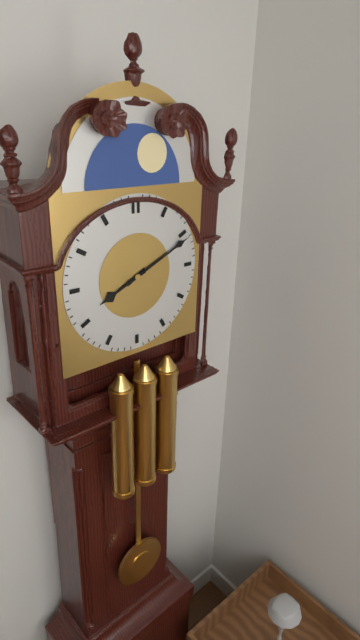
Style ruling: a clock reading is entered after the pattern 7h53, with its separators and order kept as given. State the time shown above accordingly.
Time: 8h11
